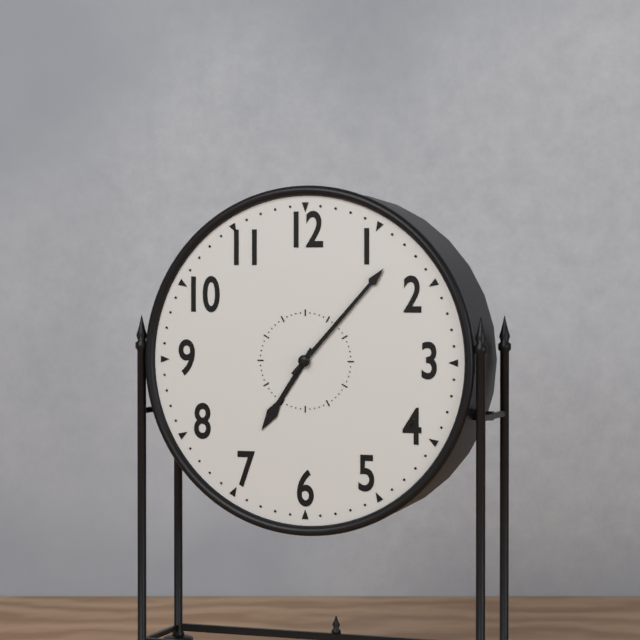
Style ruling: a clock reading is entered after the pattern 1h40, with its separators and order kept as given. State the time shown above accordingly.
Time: 7h07
